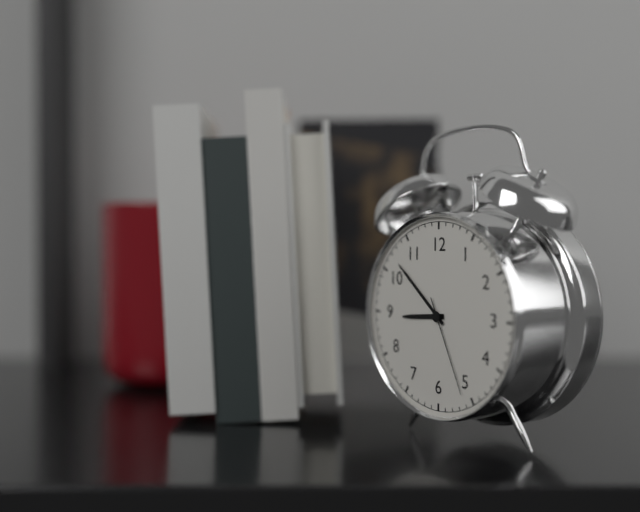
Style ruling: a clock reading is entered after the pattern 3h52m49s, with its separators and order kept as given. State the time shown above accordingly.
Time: 8h52m26s
